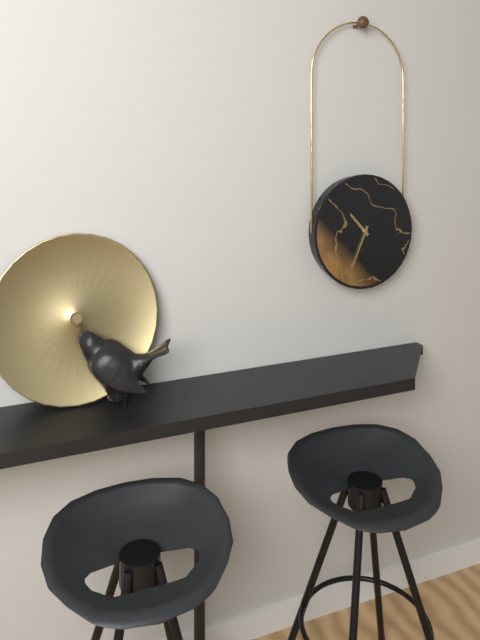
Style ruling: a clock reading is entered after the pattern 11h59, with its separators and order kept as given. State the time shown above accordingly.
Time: 10h34
